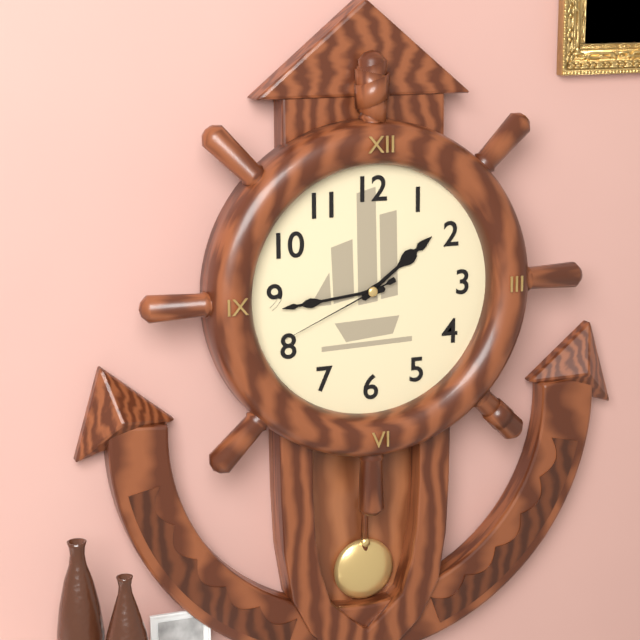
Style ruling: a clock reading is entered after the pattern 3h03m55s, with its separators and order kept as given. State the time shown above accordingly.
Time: 1h44m41s
